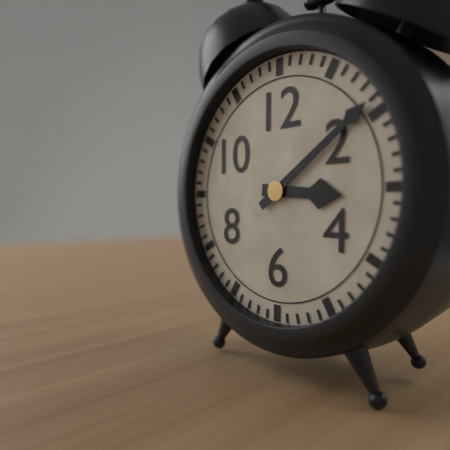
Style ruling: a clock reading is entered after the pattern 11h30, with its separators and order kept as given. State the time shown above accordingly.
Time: 3h09
